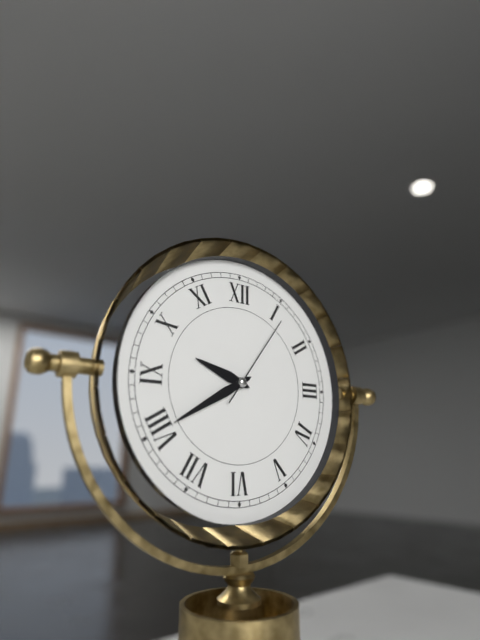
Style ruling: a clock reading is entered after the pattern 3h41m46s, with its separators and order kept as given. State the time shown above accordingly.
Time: 9h40m06s
